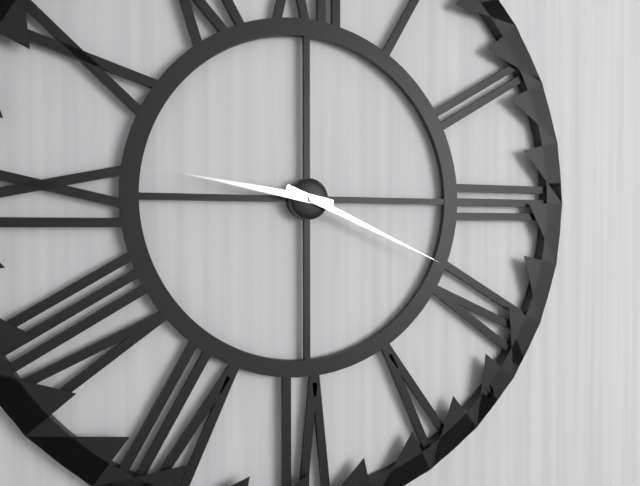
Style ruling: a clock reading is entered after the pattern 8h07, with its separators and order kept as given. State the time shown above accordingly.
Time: 9h19
